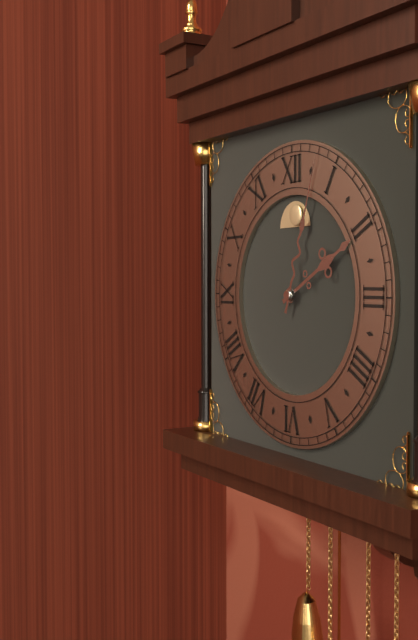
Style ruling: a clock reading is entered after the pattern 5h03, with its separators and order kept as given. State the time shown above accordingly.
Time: 2h03
